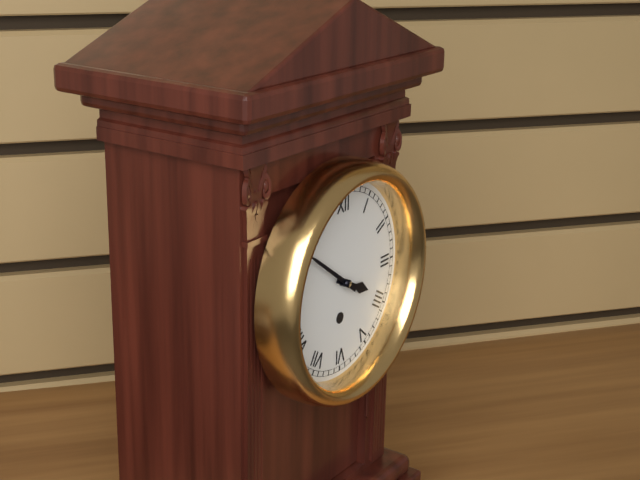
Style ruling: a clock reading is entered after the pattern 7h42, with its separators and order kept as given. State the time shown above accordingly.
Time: 3h51
